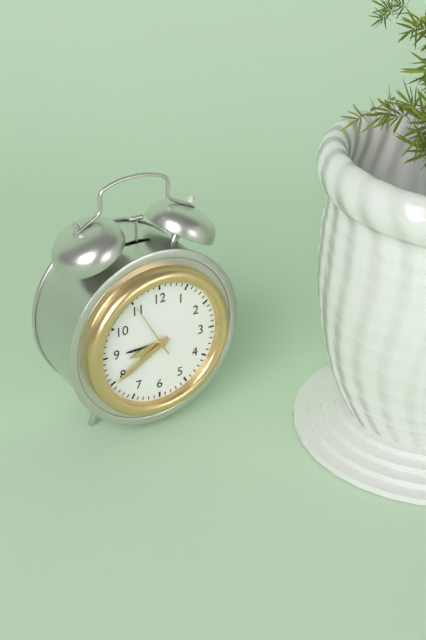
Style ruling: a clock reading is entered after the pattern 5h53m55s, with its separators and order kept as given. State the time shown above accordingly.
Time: 8h40m55s
